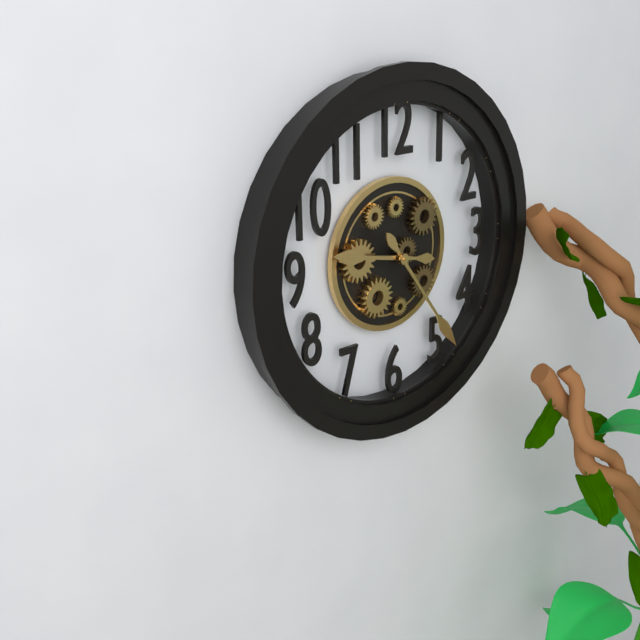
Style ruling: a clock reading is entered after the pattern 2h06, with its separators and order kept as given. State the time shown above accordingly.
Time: 9h24
